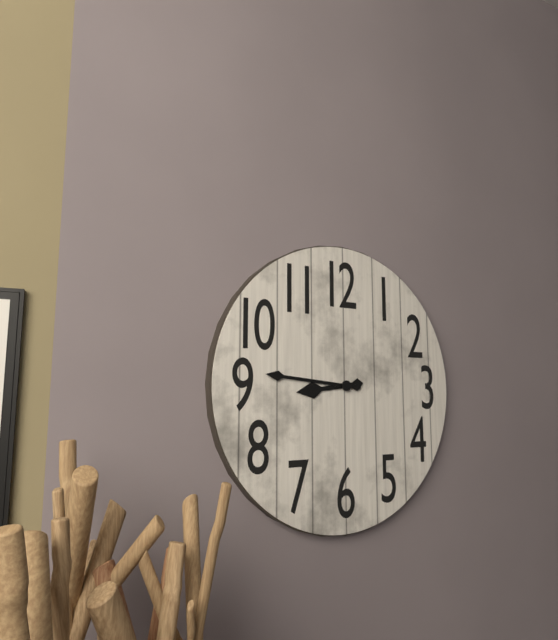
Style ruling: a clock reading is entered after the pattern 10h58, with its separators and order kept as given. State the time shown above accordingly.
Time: 8h46
